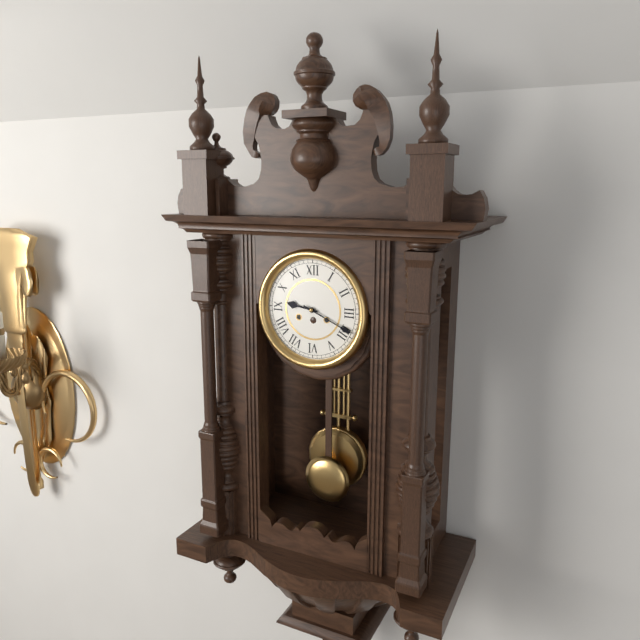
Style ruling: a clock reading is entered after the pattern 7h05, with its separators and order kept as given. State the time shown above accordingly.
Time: 9h19
